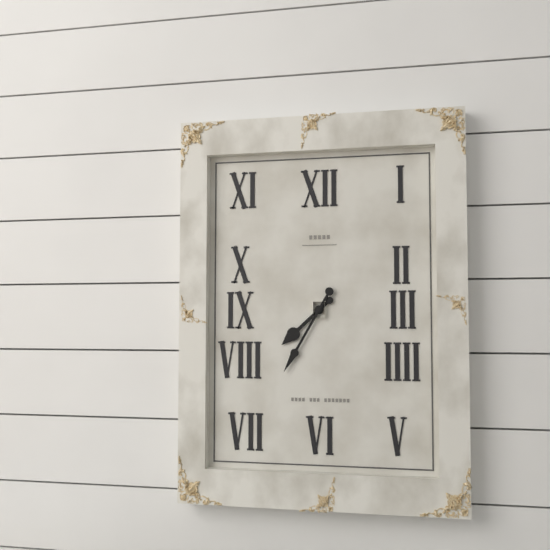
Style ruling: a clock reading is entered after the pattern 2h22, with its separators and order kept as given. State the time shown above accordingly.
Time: 7h35
